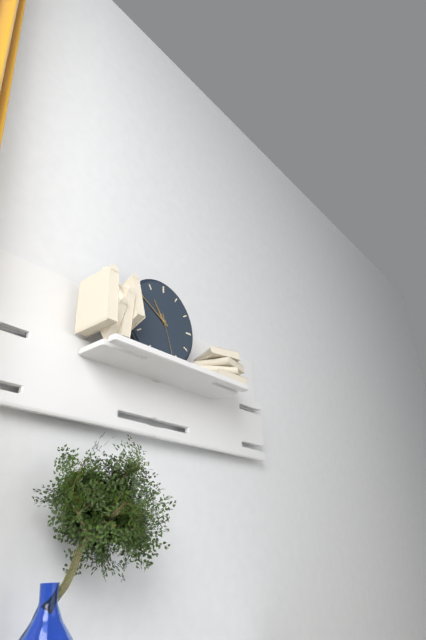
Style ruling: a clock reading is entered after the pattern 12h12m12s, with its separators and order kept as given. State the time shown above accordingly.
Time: 10h50m27s
